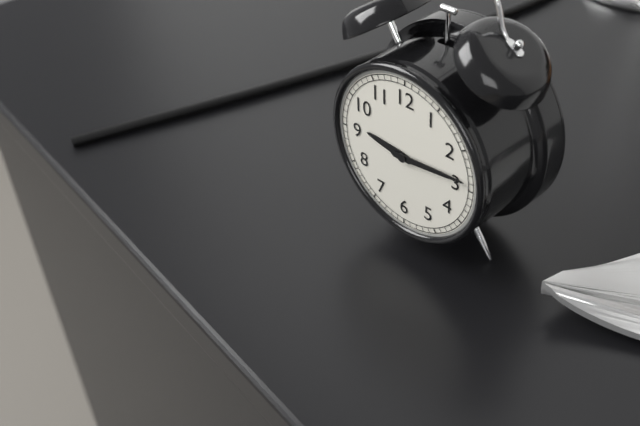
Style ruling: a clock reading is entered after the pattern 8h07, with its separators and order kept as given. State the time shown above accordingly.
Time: 9h14
